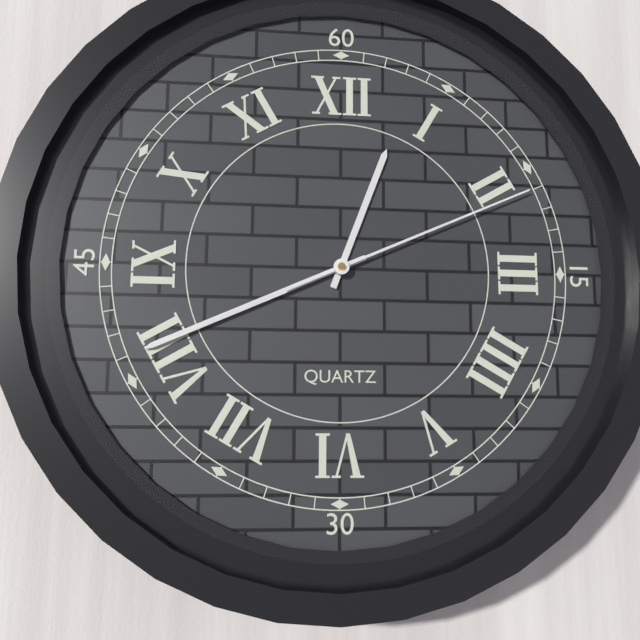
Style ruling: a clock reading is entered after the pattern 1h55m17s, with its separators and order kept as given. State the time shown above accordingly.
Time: 12h41m11s
